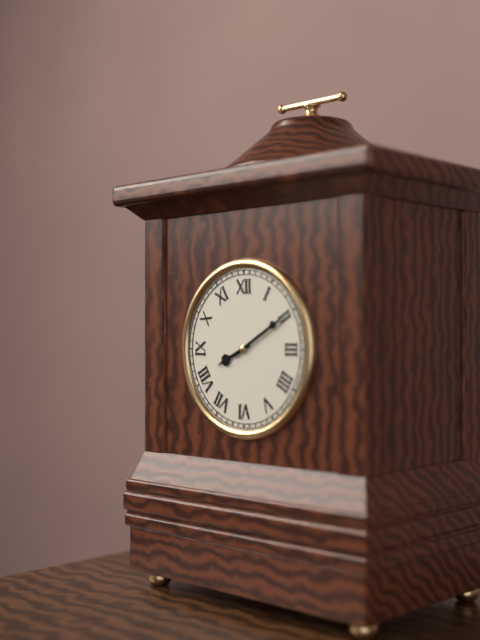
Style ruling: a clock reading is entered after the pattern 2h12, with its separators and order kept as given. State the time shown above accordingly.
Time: 8h10
